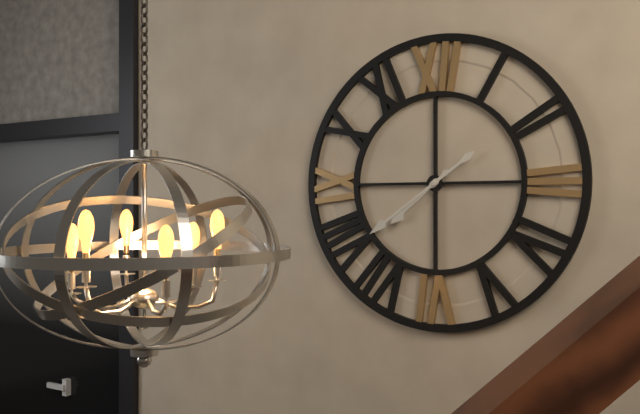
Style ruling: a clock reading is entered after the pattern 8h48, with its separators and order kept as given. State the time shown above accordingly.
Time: 7h39
